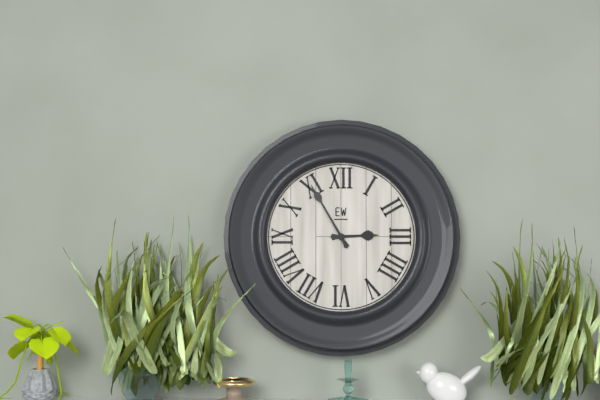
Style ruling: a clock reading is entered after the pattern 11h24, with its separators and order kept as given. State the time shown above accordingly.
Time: 2h55
